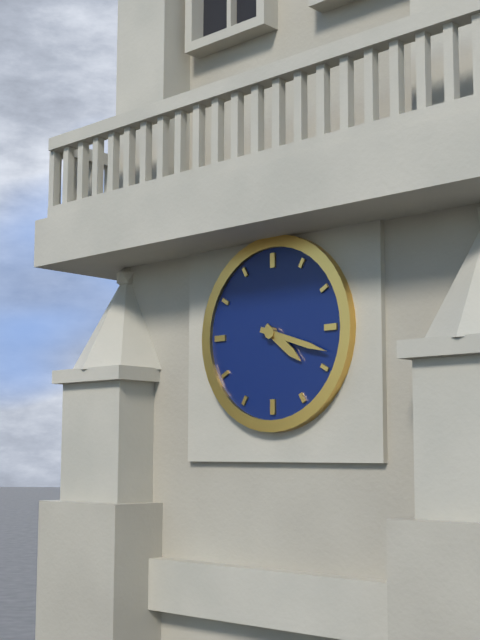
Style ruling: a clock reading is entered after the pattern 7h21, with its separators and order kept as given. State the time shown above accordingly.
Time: 4h18
